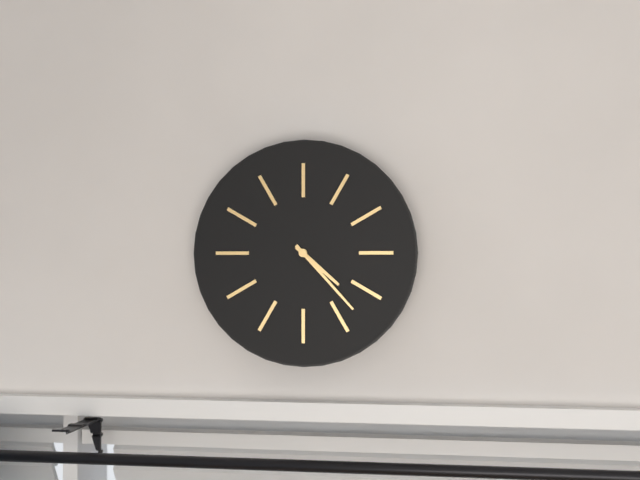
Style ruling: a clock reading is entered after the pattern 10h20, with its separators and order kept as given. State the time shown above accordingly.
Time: 4h23
